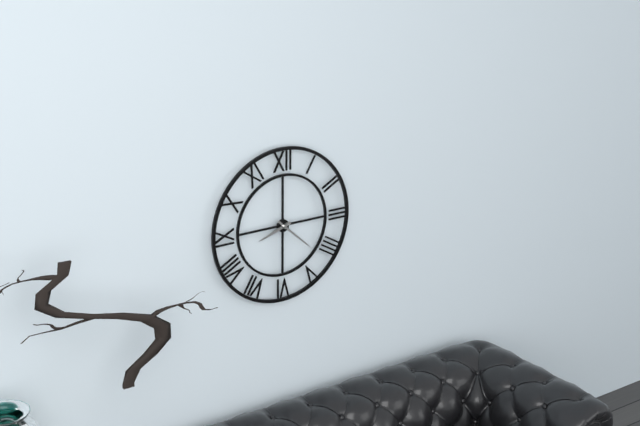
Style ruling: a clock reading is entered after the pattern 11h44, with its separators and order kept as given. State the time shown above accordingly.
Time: 8h22
